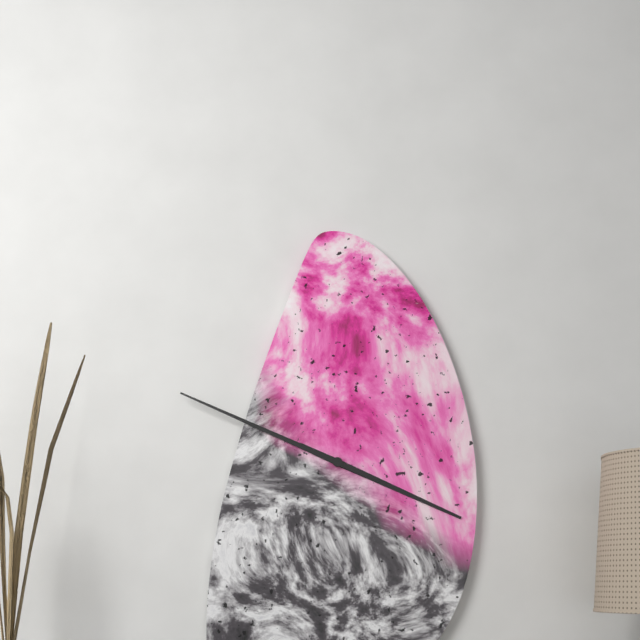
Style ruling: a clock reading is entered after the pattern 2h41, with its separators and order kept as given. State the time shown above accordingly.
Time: 3h49
